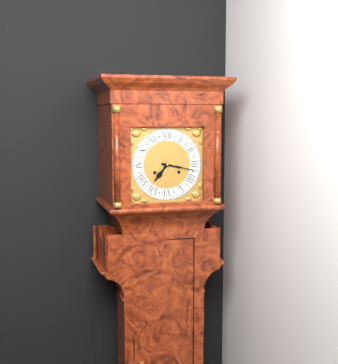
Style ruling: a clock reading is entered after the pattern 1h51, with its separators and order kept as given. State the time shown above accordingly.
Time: 7h17
